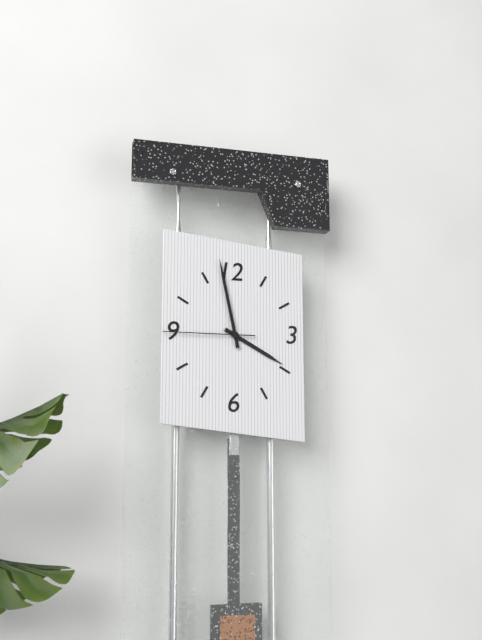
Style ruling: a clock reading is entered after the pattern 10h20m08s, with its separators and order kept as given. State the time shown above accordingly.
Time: 3h58m45s
